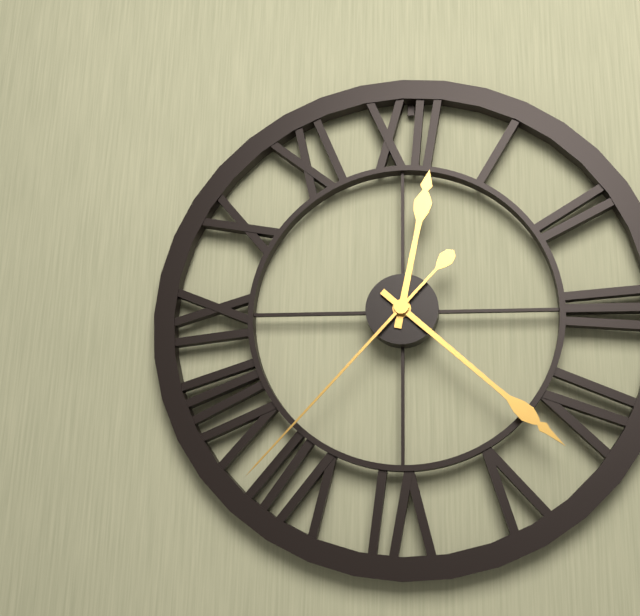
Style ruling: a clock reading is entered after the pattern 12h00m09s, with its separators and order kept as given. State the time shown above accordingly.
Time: 12h22m37s
